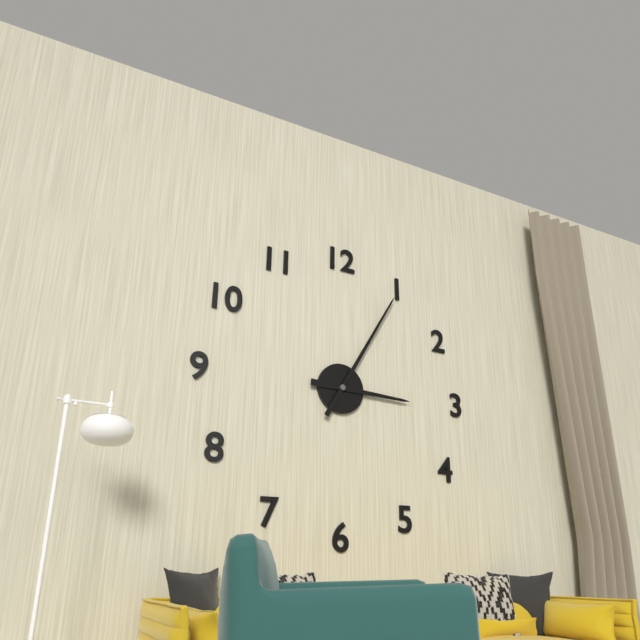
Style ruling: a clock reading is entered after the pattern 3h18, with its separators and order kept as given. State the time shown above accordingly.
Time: 3h05
